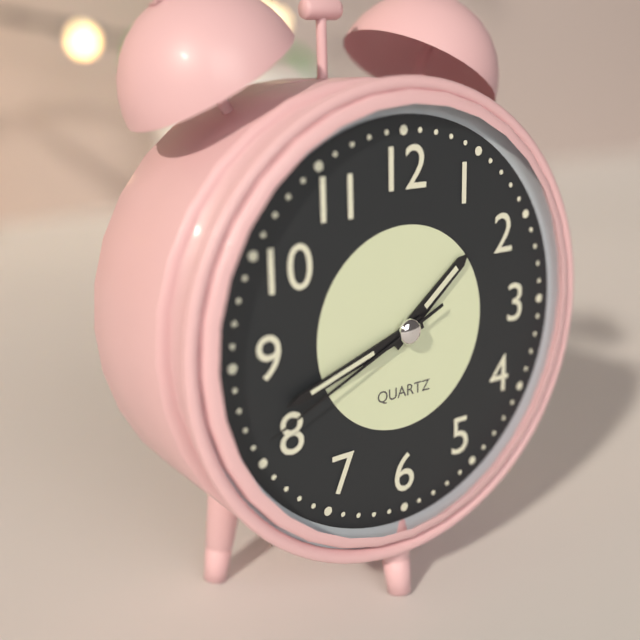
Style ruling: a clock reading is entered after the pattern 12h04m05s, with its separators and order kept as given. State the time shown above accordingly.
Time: 1h42m41s
